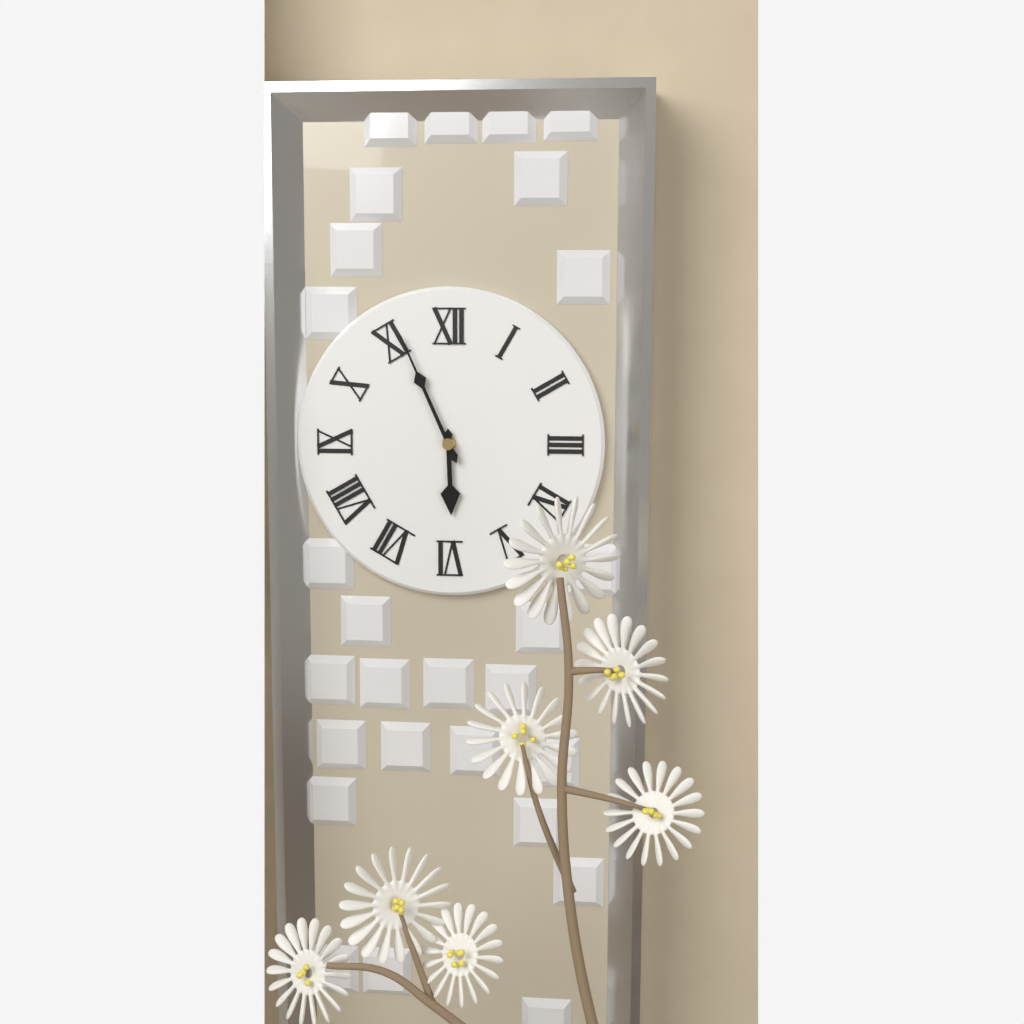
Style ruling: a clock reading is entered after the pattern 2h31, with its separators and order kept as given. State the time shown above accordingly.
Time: 5h56
